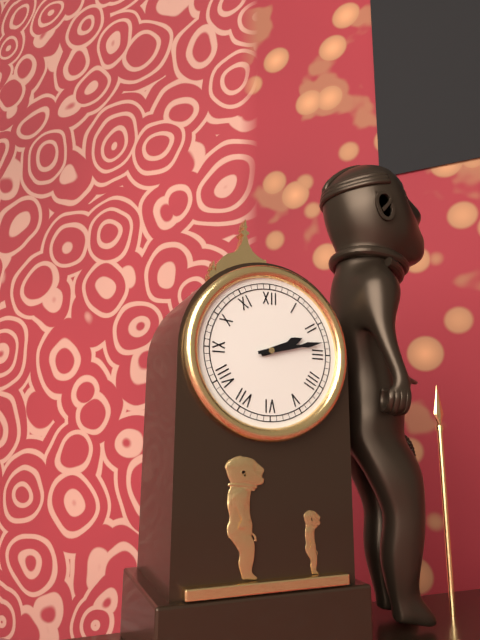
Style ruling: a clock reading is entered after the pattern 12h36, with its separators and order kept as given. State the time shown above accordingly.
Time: 2h13
